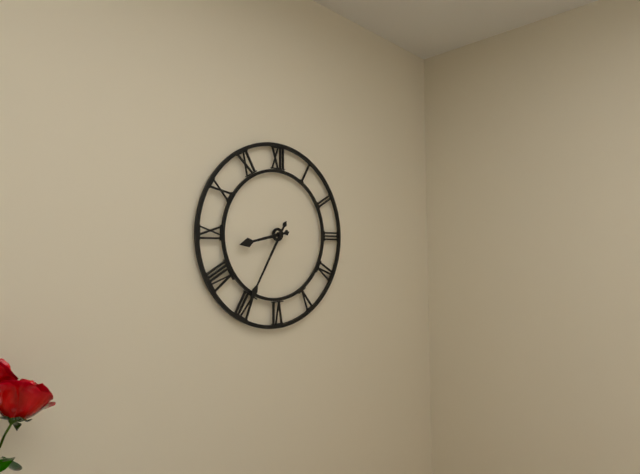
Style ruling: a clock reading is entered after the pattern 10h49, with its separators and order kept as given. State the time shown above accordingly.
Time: 8h35
